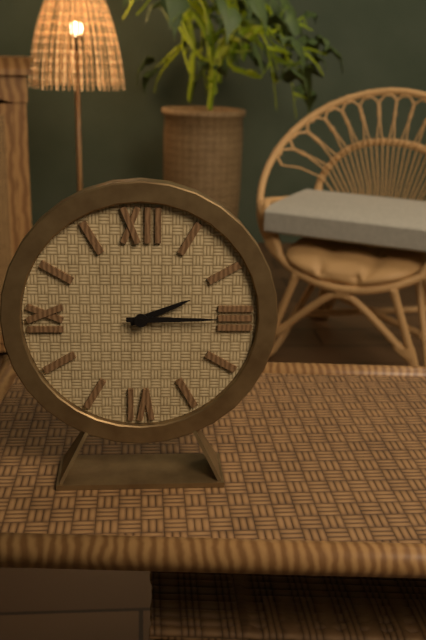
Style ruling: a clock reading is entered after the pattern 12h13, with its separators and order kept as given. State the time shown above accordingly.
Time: 2h15
